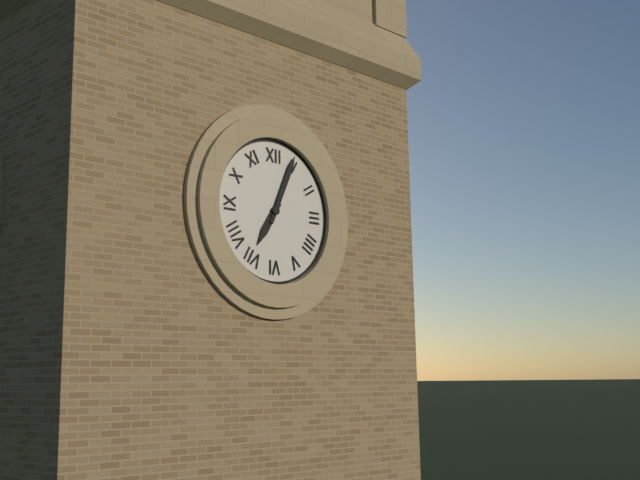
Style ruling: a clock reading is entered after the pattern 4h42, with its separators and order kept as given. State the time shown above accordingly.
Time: 7h04
